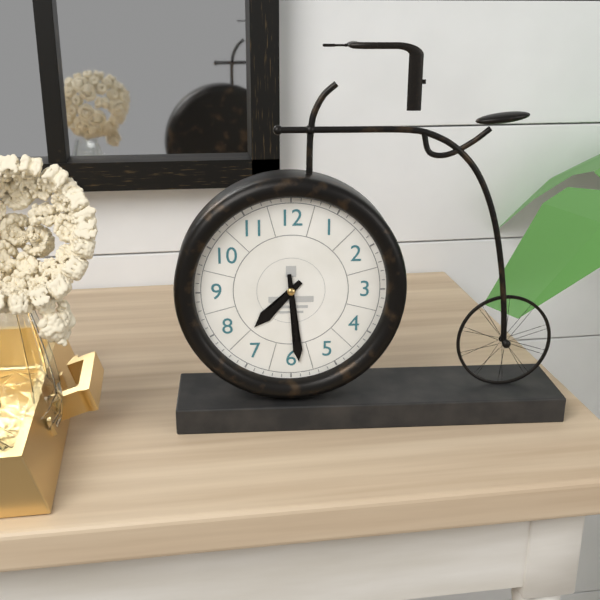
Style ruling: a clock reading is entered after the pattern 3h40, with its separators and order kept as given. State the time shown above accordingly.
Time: 7h29
